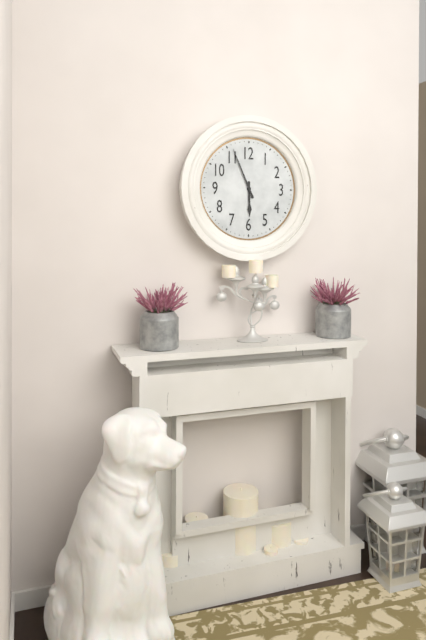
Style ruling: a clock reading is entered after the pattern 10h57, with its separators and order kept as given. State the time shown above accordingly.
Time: 5h56
